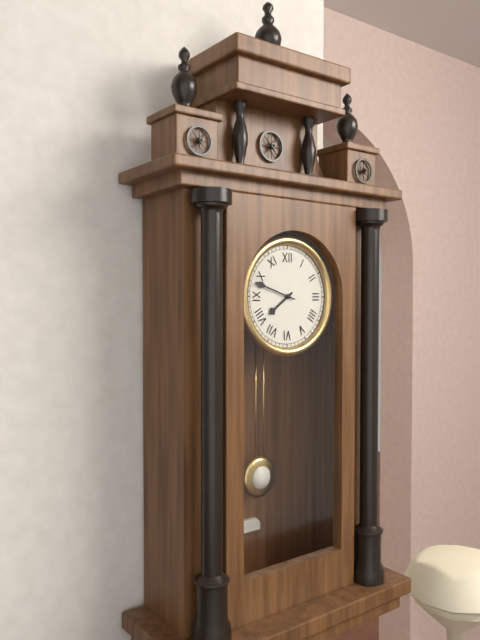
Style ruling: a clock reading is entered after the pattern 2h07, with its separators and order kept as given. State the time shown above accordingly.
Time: 7h48
